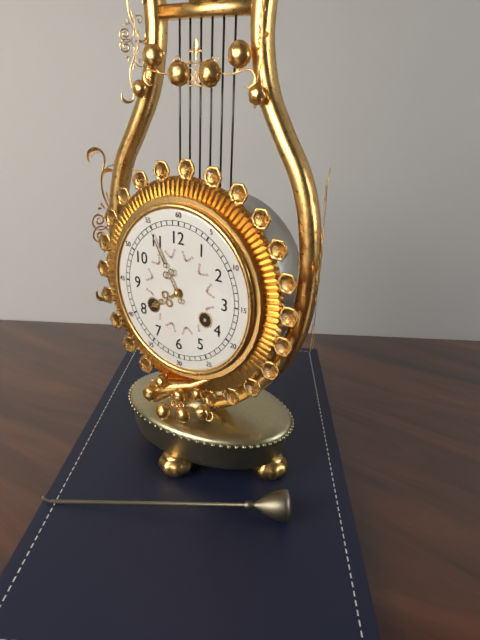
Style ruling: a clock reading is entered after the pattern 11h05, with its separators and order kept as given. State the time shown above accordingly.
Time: 7h55
